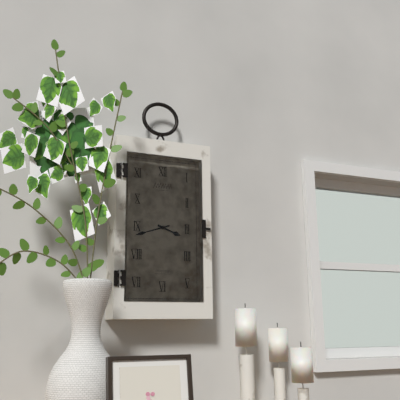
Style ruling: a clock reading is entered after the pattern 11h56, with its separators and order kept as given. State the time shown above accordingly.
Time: 3h42
